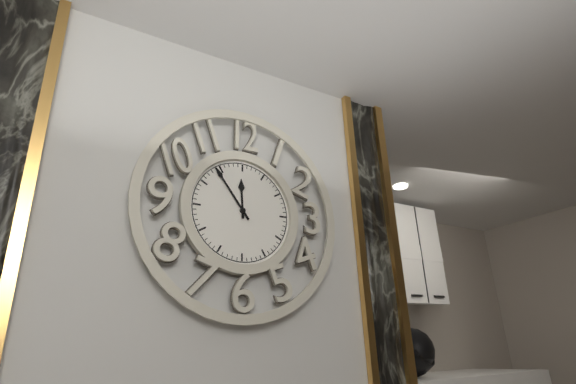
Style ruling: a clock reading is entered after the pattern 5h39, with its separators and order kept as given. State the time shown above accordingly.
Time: 11h54
